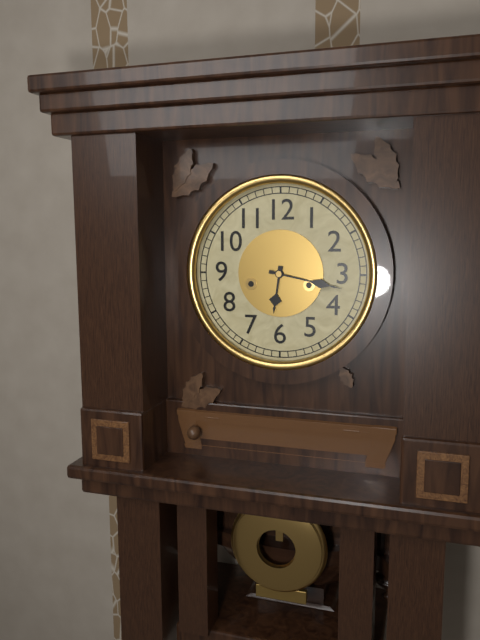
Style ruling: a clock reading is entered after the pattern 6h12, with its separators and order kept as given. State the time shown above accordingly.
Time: 6h17
